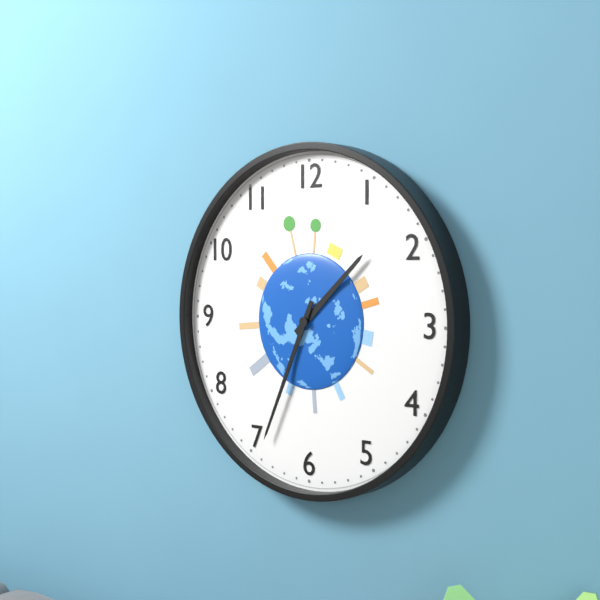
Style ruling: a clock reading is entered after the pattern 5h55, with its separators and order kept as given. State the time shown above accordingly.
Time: 1h34
